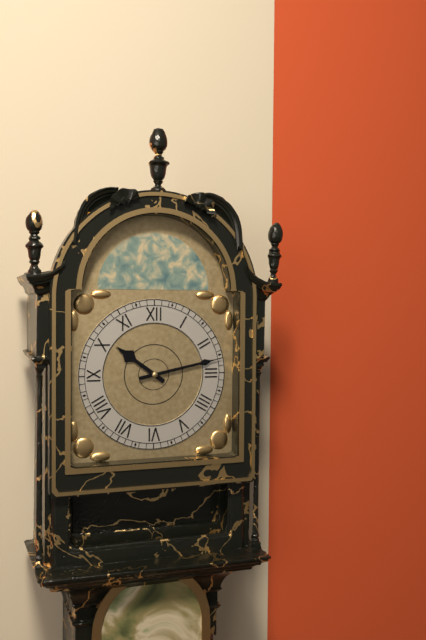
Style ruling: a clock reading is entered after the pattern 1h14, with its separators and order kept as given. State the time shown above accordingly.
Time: 10h13
